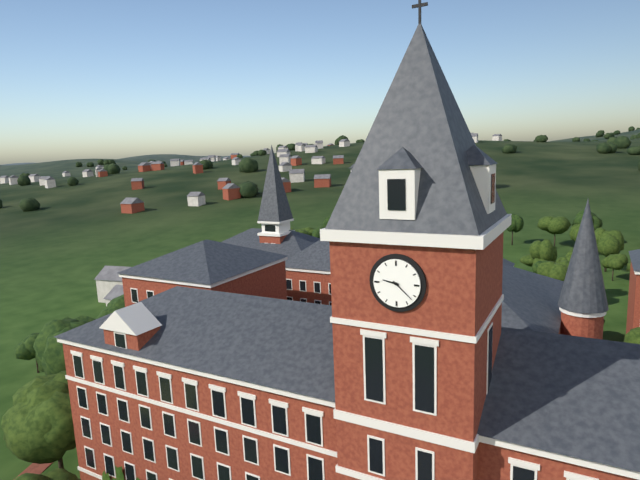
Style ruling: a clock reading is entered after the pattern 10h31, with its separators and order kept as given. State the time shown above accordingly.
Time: 9h22
